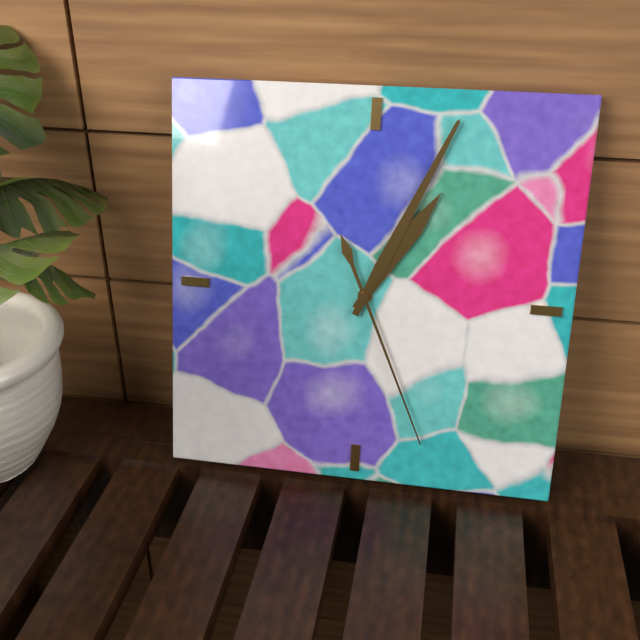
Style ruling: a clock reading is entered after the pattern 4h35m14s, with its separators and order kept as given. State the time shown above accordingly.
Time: 1h04m26s
